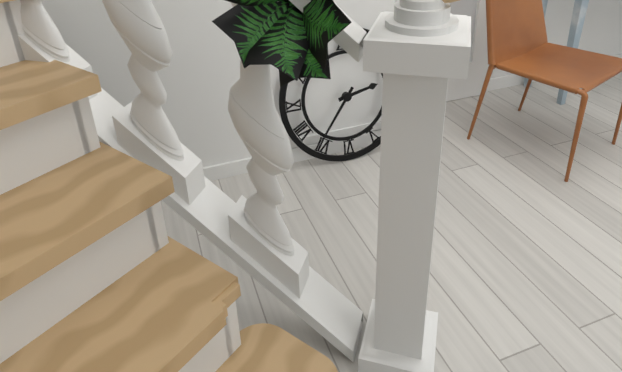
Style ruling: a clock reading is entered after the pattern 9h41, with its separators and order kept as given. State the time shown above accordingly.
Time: 2h36
